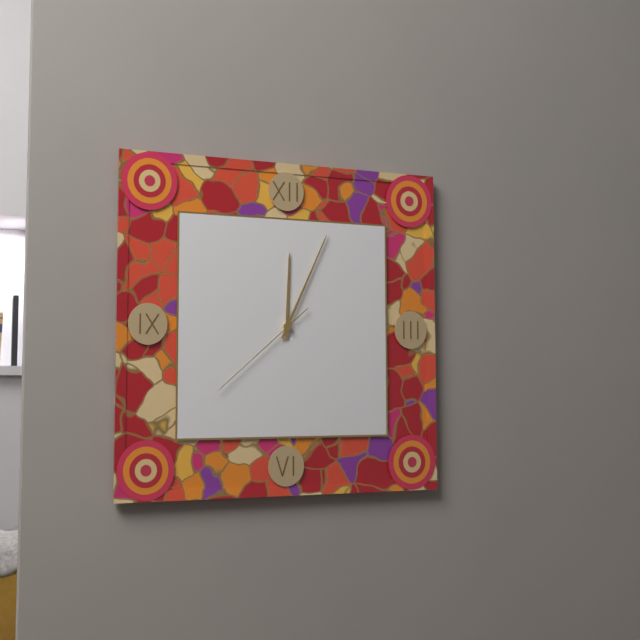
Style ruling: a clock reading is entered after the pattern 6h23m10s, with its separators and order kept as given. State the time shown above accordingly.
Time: 12h04m38s
